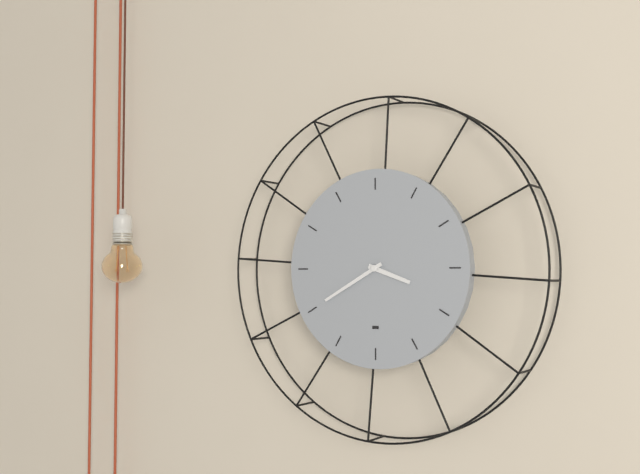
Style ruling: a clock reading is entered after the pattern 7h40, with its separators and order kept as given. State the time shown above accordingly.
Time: 3h40
